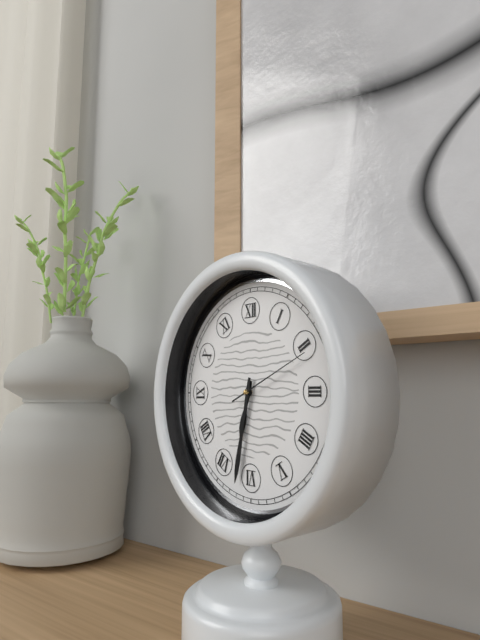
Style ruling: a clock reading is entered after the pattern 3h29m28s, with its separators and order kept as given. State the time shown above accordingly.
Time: 6h32m11s
